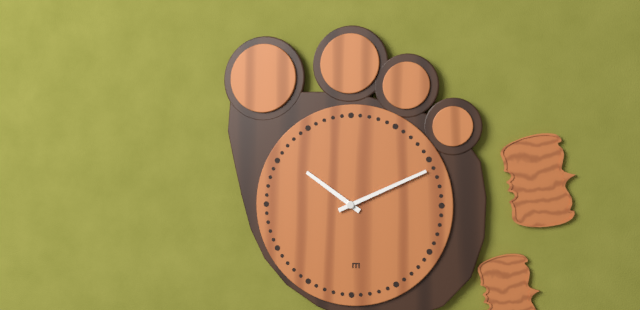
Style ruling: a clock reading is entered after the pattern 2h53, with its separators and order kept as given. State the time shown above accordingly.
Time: 10h11
